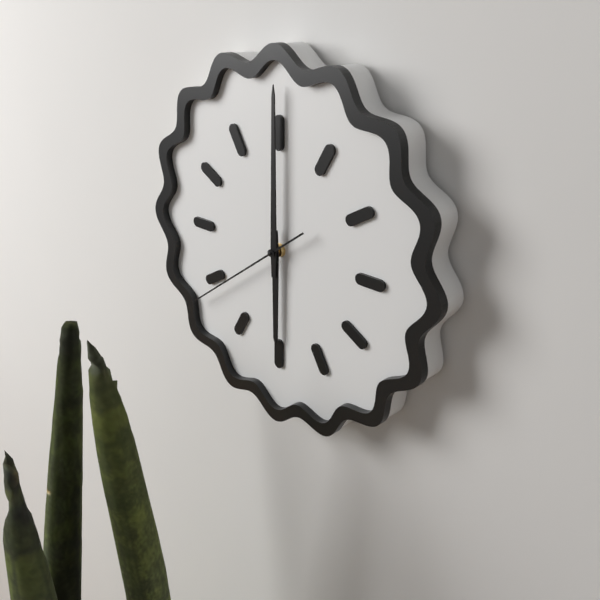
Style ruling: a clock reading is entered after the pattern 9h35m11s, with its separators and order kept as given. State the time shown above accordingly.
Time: 6h00m39s
